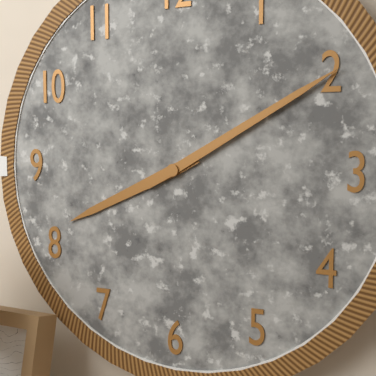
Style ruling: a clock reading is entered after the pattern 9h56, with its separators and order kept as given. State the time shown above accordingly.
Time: 8h10
